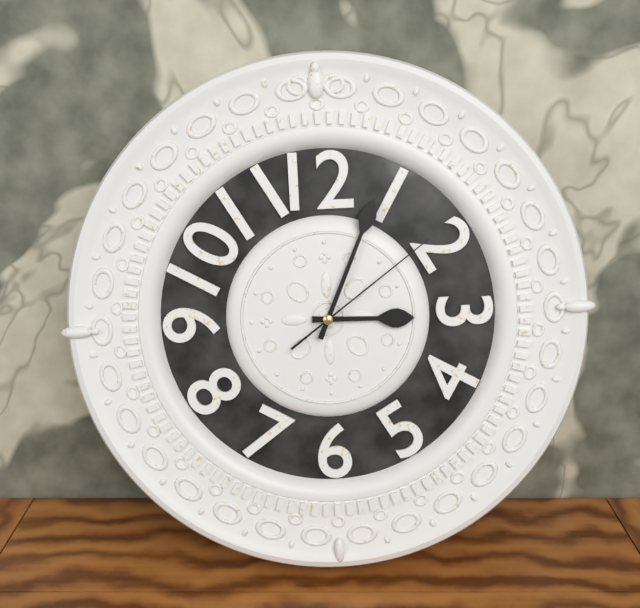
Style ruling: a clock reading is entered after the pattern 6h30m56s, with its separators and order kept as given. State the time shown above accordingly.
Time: 3h04m09s
